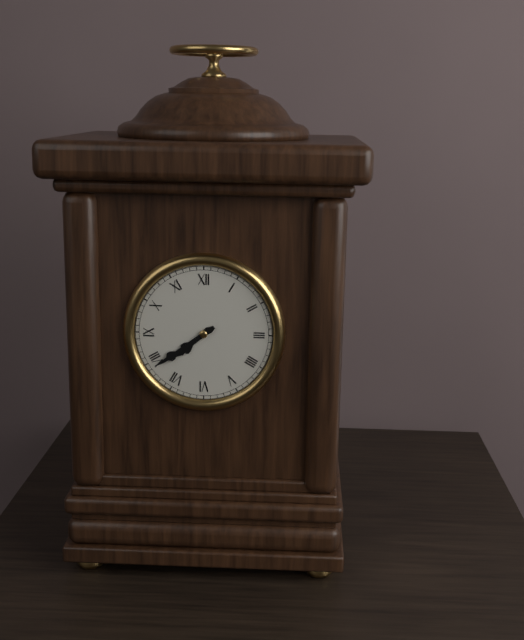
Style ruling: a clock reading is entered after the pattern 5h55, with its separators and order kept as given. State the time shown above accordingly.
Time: 7h39
